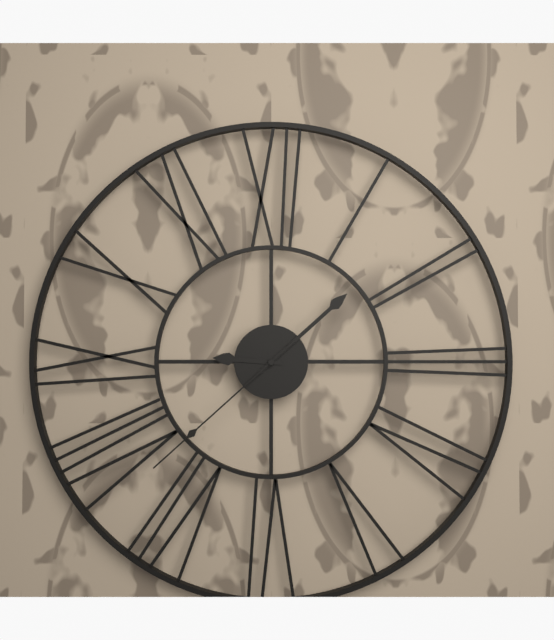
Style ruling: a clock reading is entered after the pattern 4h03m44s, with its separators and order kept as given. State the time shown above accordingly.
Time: 9h08m38s
